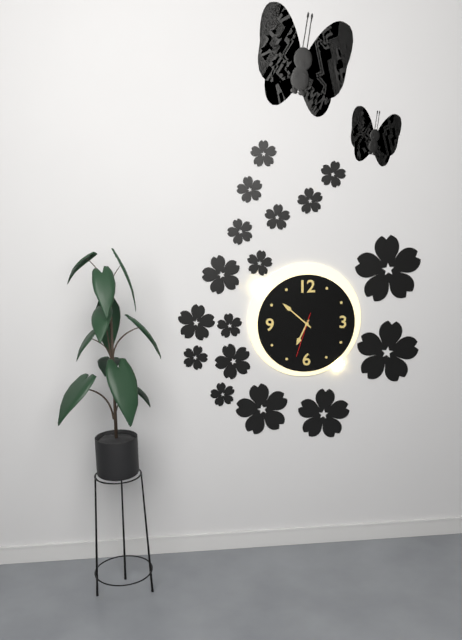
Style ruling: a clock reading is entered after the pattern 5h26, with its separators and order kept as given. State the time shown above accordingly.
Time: 6h52
